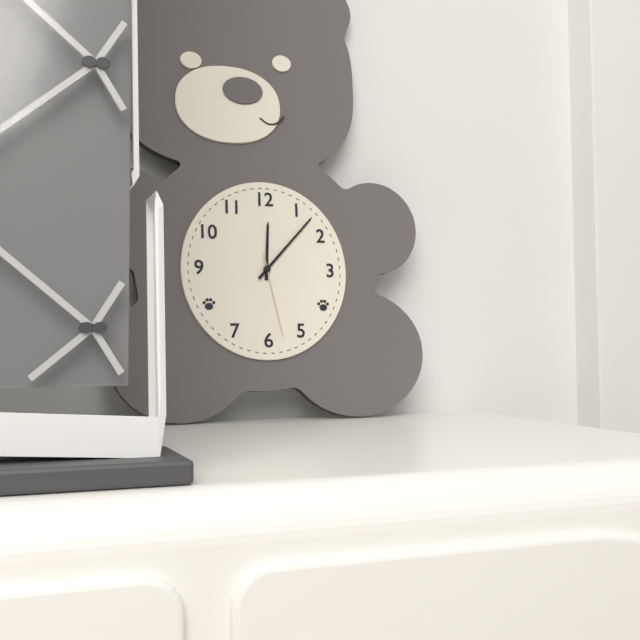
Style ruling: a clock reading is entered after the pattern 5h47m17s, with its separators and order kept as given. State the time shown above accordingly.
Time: 12h07m28s
